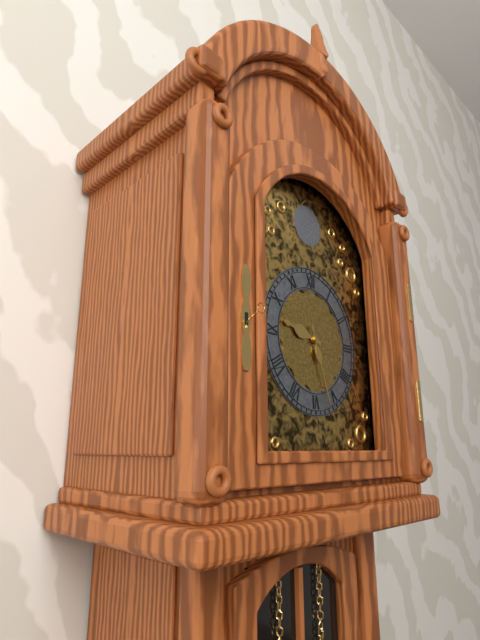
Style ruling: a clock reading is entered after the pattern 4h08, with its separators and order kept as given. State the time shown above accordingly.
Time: 9h27
